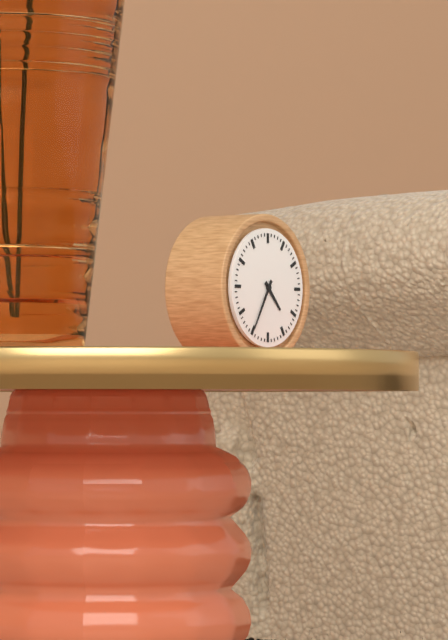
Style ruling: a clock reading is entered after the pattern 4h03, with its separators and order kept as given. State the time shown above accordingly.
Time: 4h35
